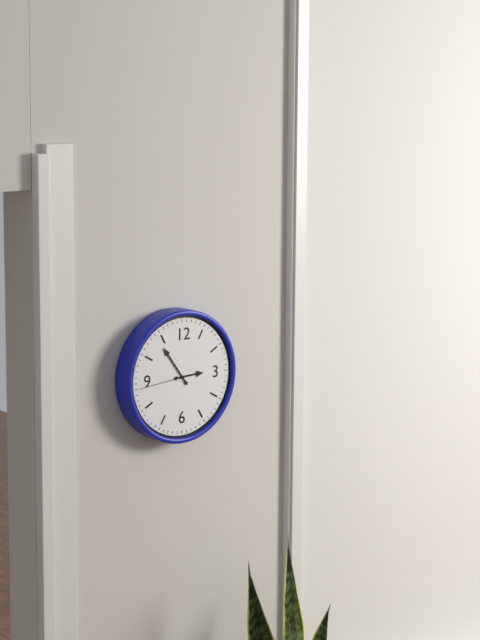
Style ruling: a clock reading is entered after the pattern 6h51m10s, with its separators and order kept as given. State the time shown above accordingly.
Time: 2h54m44s
